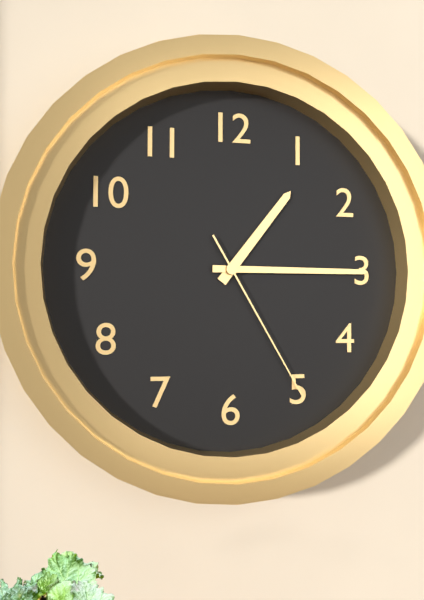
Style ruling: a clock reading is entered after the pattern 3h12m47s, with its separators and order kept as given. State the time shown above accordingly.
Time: 1h15m25s
